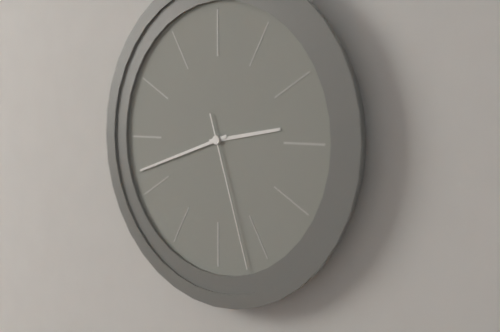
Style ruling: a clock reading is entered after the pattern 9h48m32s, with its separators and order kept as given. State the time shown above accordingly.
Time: 2h42m27s
